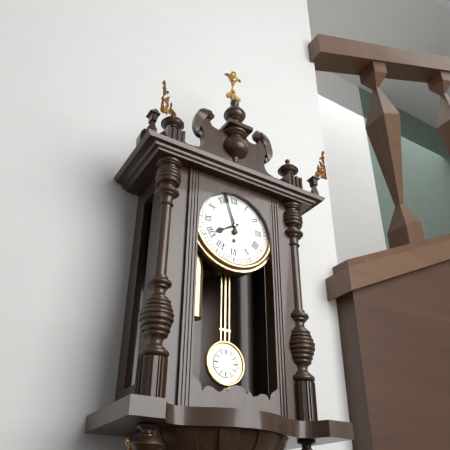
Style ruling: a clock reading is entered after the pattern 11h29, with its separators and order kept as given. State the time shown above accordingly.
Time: 7h57
